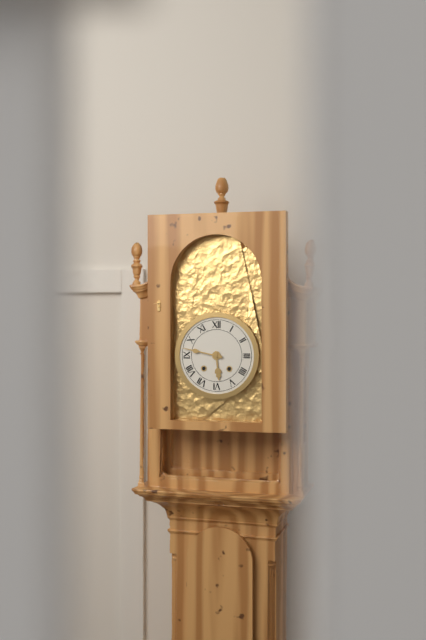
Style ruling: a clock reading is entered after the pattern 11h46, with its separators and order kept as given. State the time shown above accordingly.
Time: 5h47
